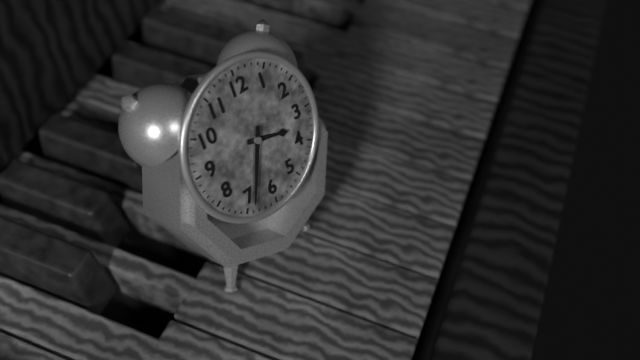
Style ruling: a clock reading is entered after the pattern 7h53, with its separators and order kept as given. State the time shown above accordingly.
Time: 3h34
